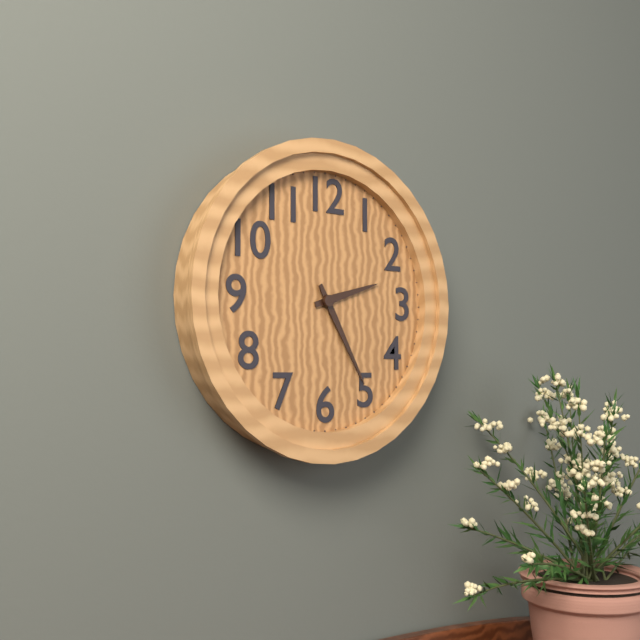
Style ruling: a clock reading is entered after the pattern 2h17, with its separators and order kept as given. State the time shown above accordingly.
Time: 2h25
